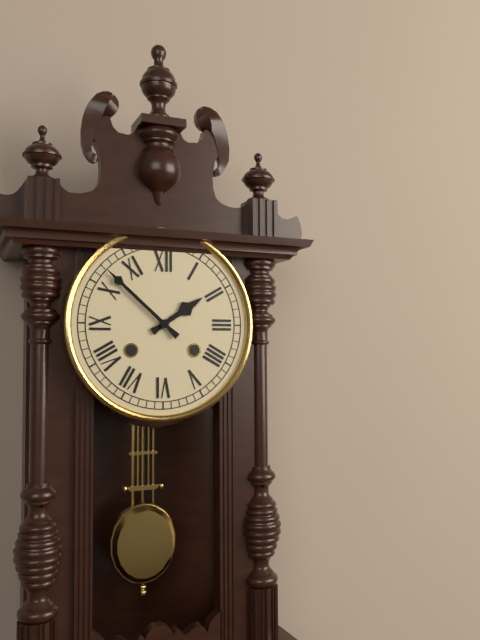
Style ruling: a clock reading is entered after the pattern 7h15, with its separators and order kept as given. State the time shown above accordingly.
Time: 1h52
